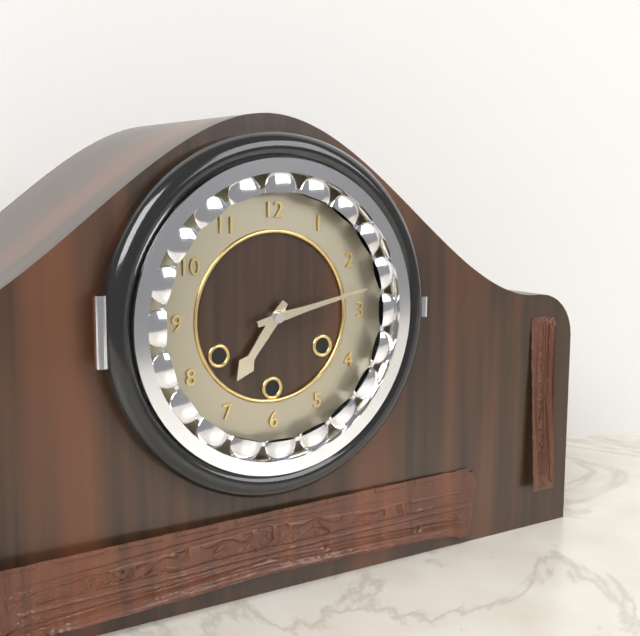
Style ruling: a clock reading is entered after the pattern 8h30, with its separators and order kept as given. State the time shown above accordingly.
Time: 7h13
